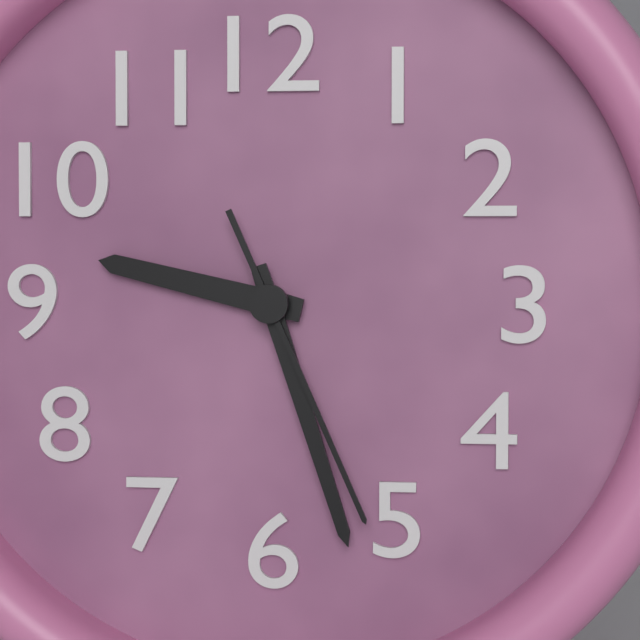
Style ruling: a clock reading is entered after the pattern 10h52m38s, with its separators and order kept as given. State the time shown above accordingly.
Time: 9h27m26s
